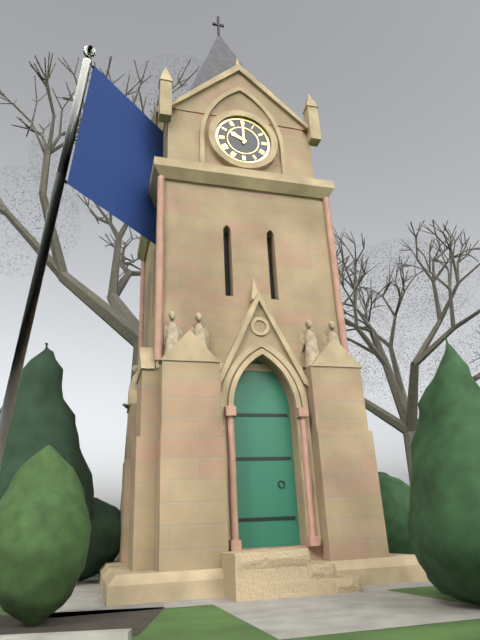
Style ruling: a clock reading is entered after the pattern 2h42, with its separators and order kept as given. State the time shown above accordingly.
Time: 10h00
